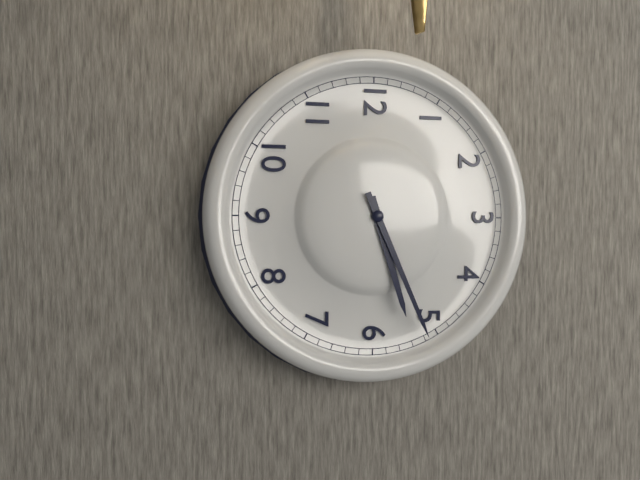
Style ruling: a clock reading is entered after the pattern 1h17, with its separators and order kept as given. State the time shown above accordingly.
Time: 5h26
